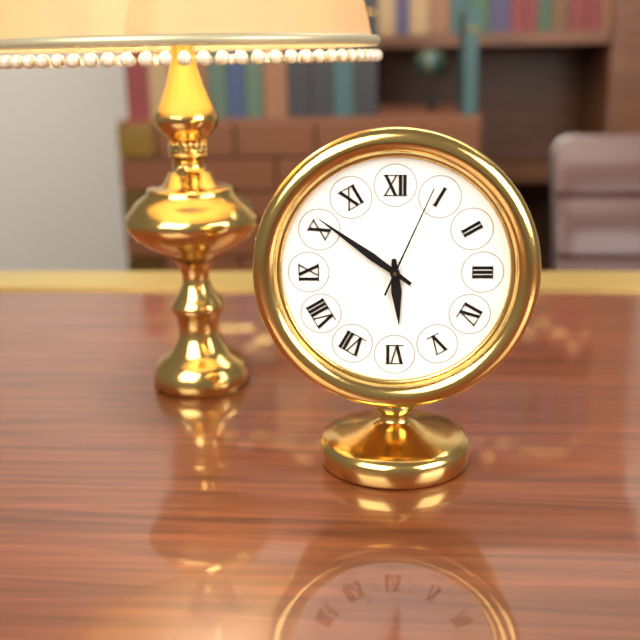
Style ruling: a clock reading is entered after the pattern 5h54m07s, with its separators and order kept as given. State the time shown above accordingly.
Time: 5h51m04s
